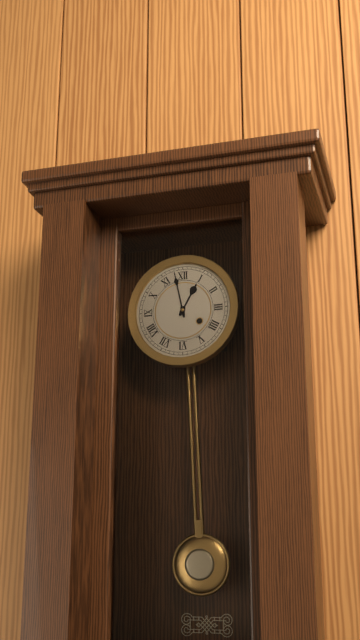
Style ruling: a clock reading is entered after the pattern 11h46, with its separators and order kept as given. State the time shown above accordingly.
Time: 12h58
